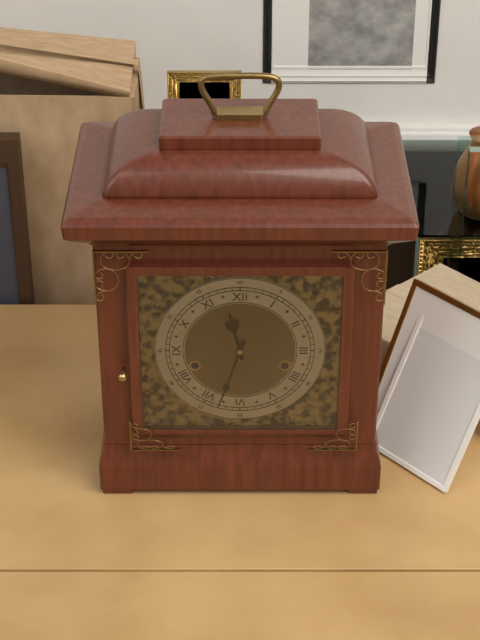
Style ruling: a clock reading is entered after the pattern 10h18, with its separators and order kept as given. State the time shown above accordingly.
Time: 11h33
